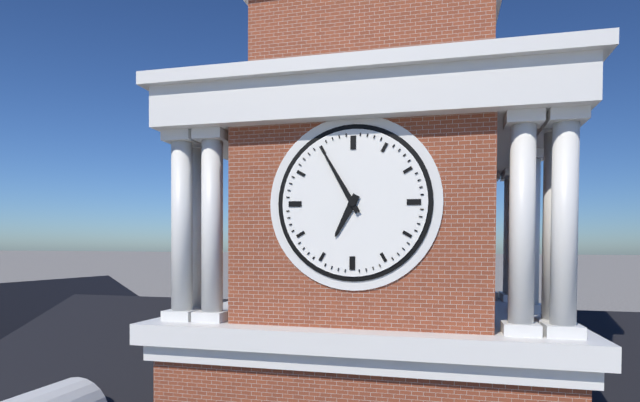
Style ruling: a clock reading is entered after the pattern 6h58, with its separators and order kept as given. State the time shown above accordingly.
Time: 6h55
